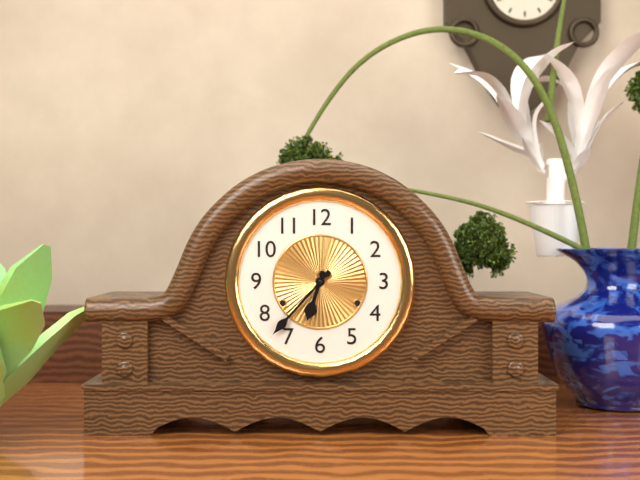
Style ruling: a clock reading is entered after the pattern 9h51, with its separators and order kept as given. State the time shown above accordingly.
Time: 6h37
